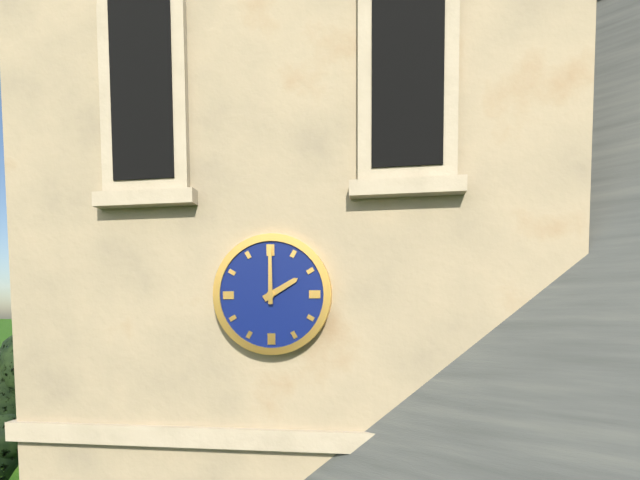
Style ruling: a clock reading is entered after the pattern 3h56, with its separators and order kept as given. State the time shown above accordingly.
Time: 2h00
